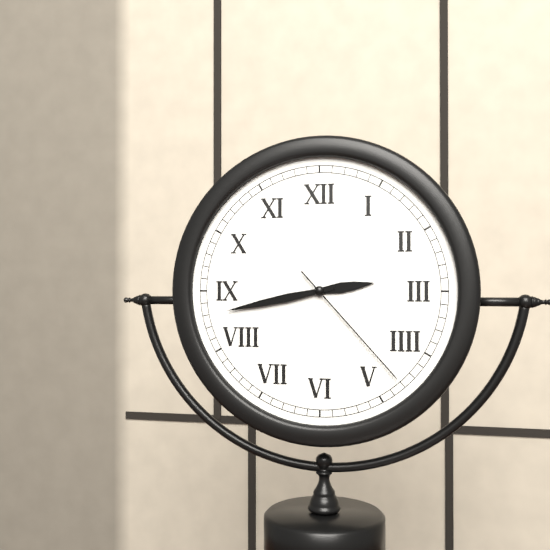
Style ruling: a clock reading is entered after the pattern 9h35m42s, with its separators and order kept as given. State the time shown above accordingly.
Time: 2h43m23s
